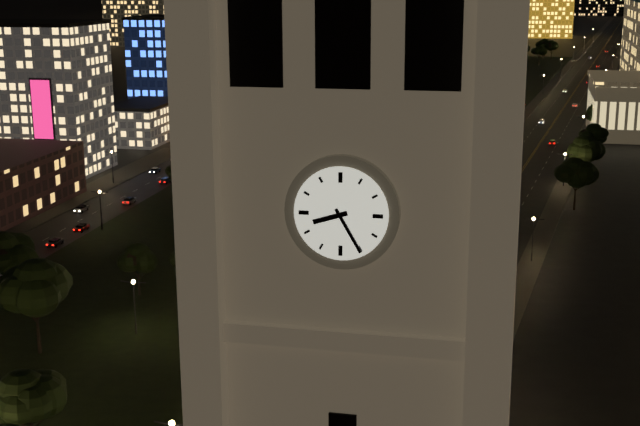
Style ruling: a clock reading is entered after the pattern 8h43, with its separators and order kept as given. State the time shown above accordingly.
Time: 8h25
